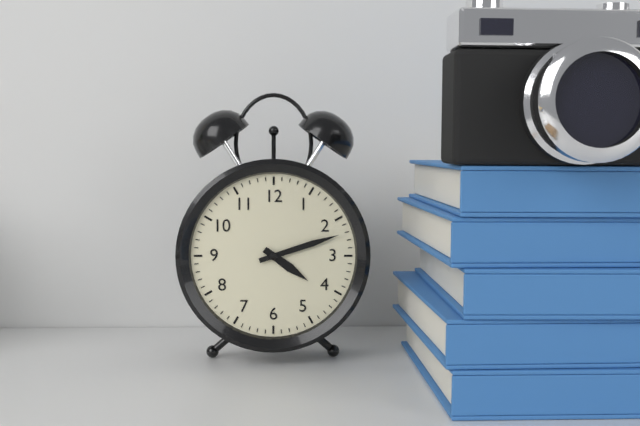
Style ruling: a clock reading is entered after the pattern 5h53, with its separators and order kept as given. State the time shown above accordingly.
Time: 4h12
